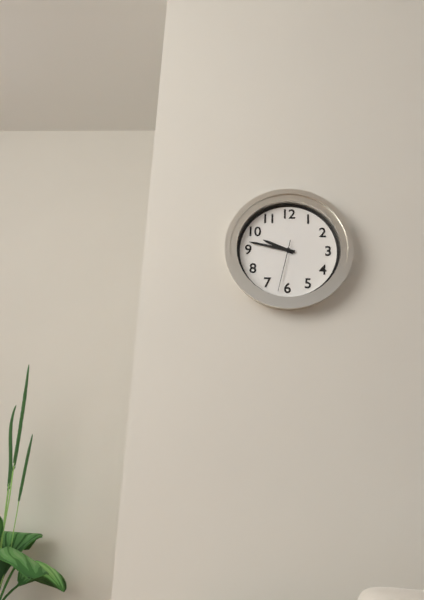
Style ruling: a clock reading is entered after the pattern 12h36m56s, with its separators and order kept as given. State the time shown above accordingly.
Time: 9h47m32s
